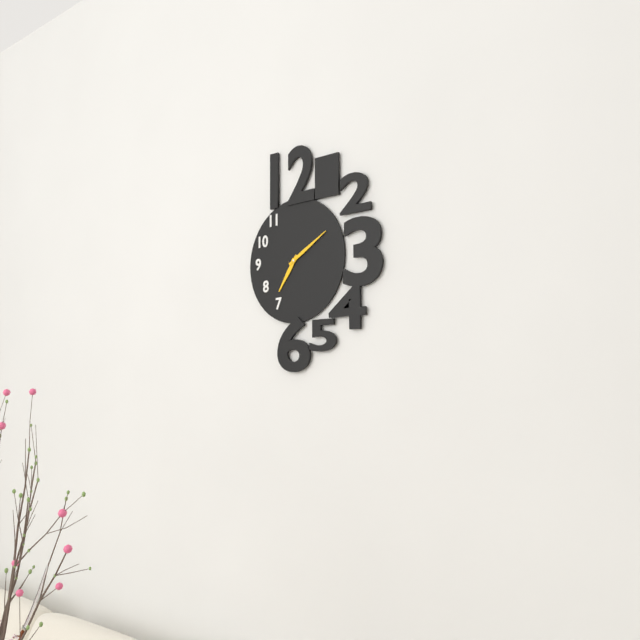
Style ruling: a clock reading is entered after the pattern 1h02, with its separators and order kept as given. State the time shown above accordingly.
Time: 7h10
